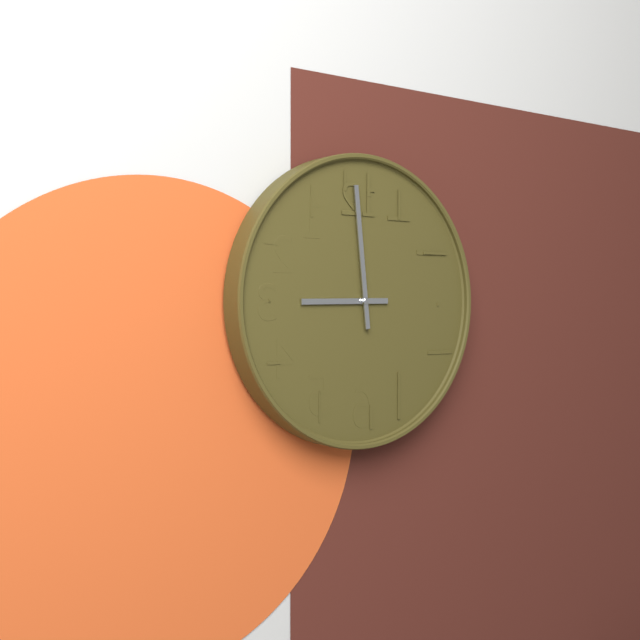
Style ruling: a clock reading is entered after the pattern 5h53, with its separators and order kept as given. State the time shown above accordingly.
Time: 8h59
